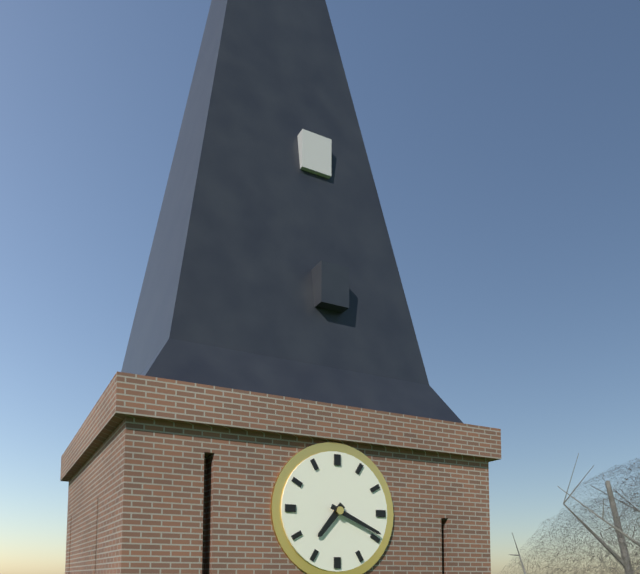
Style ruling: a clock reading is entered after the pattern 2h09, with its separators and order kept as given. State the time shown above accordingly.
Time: 7h19
